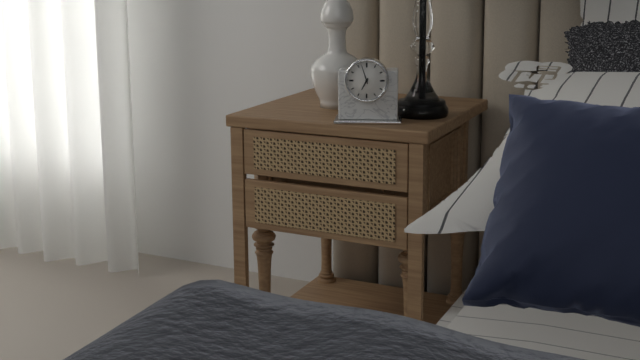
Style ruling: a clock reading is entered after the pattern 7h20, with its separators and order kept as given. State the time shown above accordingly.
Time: 6h57
